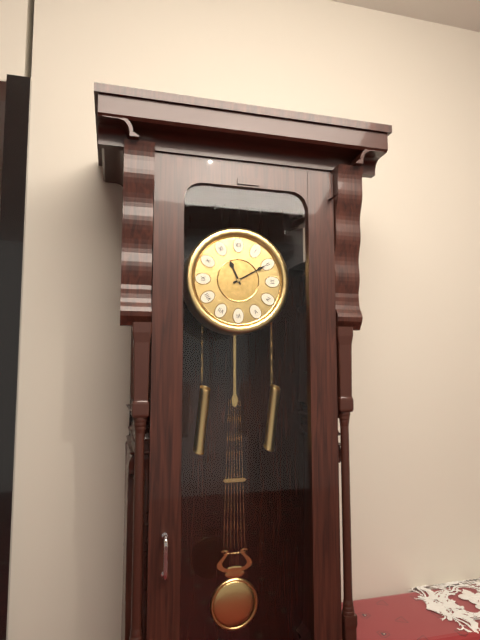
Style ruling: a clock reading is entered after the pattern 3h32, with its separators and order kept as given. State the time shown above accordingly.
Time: 11h10
